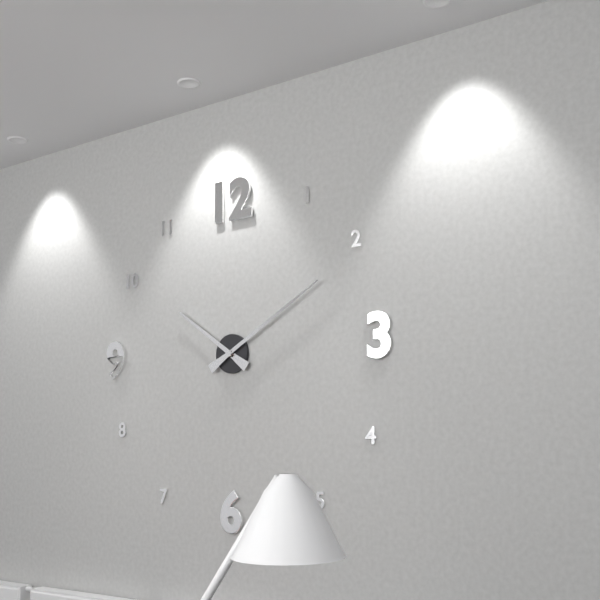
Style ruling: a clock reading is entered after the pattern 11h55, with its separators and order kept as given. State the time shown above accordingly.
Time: 10h10
